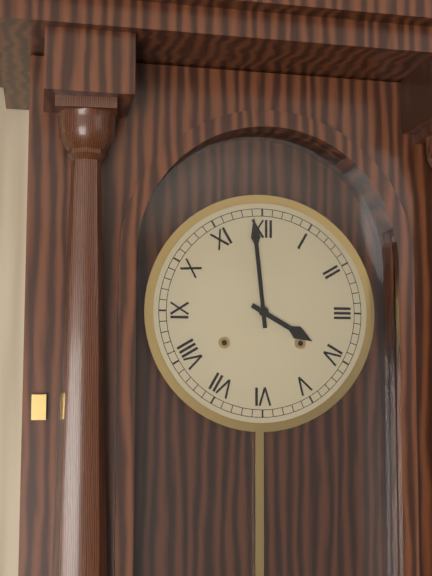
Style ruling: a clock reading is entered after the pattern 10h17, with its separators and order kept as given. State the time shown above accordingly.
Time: 3h59
